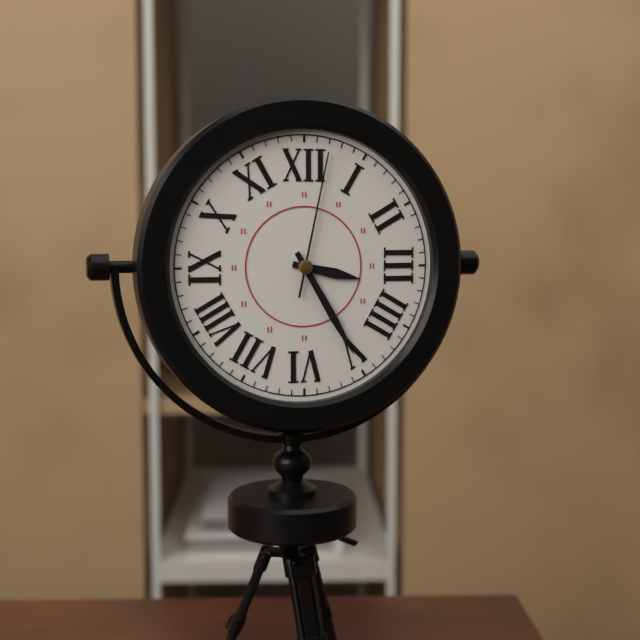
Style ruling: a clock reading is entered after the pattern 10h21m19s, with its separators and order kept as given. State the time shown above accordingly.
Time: 3h25m02s
